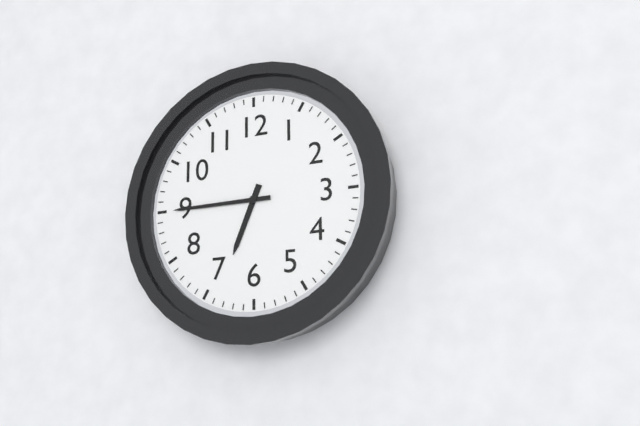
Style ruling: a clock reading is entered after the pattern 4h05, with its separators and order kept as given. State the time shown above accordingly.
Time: 6h45
